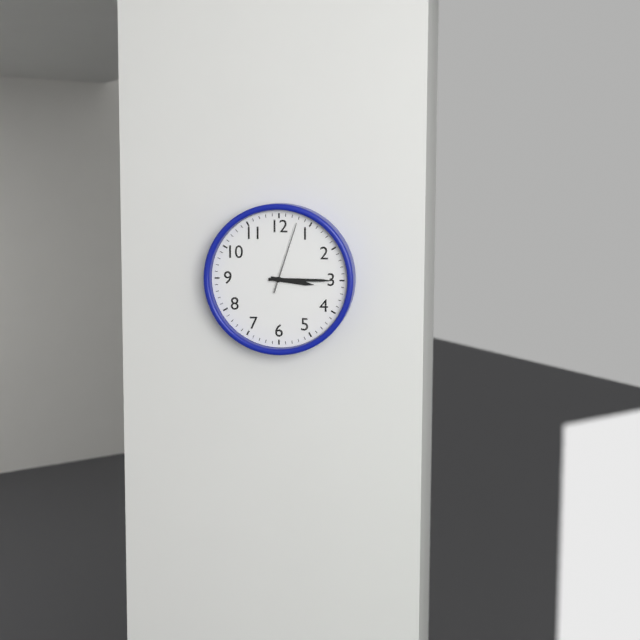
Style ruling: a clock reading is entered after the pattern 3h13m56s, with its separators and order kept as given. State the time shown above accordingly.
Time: 3h15m03s
